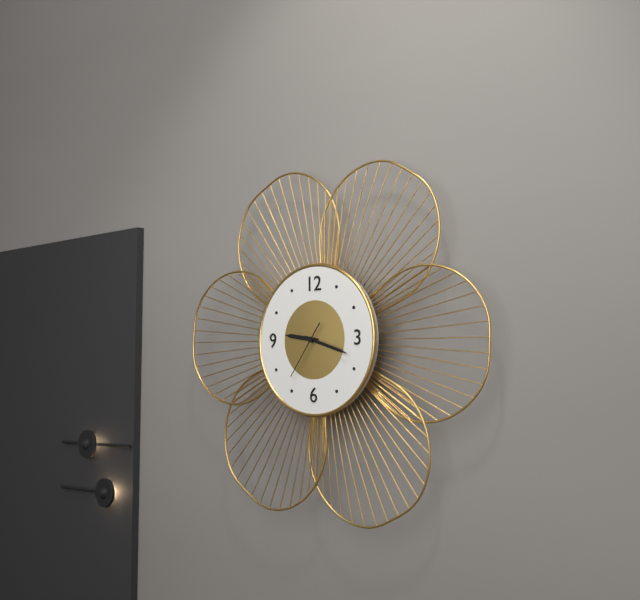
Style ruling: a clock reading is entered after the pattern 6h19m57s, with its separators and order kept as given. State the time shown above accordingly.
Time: 9h18m36s
